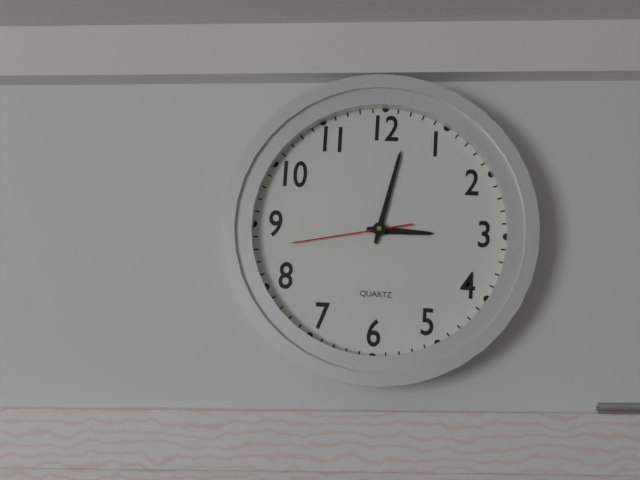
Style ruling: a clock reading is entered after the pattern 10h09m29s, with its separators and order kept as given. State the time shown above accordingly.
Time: 3h02m43s
